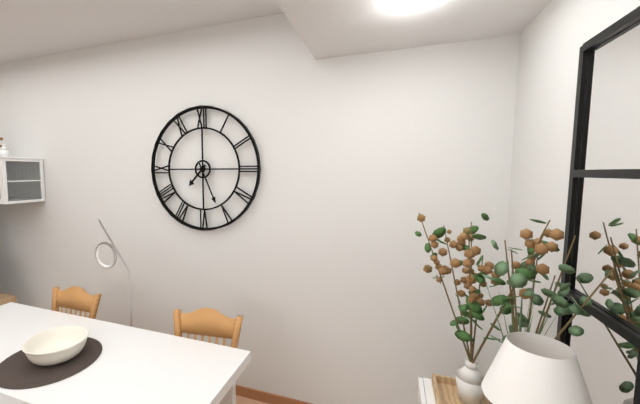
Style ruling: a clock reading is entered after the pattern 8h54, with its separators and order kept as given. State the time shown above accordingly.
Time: 7h26
